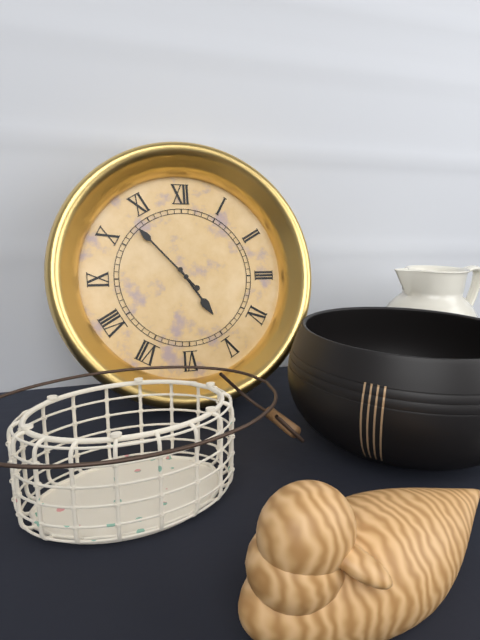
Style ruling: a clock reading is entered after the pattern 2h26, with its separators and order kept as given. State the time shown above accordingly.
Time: 4h53
